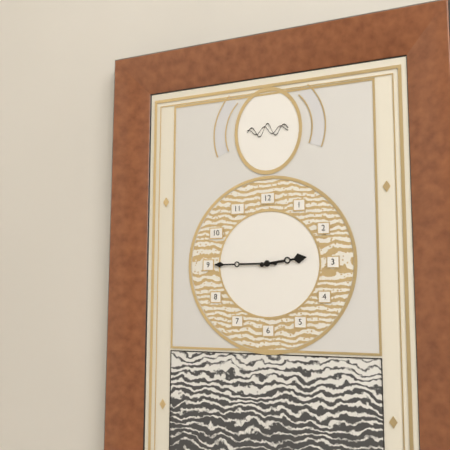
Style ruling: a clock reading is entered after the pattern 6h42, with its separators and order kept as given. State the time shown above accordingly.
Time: 2h45
